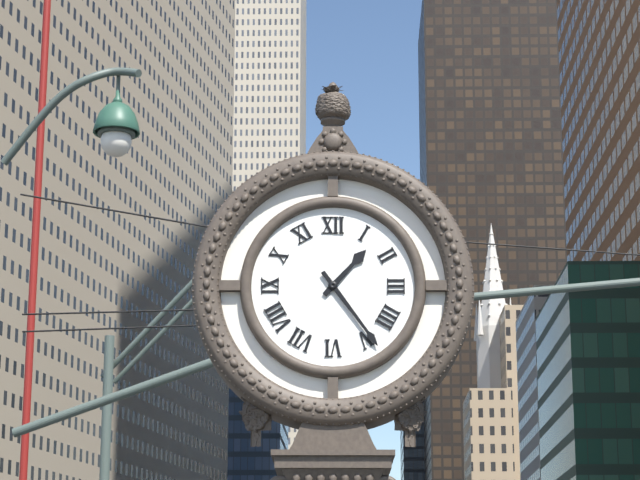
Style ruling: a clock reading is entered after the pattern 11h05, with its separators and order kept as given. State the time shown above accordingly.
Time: 1h24
